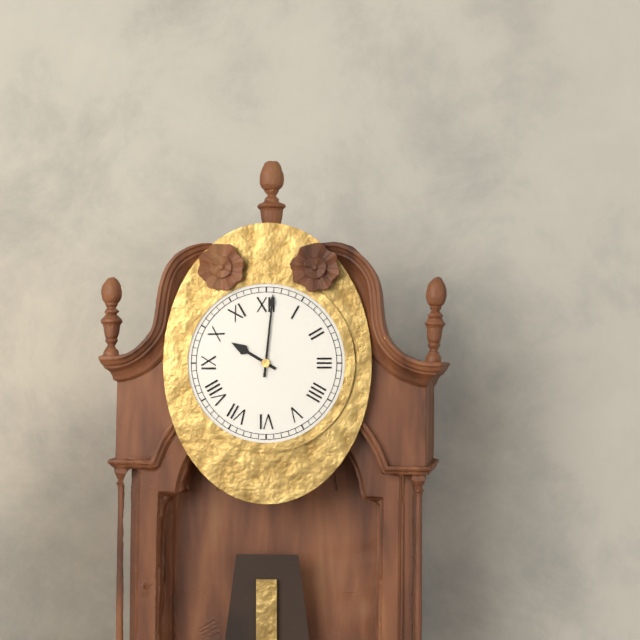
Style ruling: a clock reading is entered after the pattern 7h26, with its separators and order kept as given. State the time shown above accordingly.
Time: 10h01
